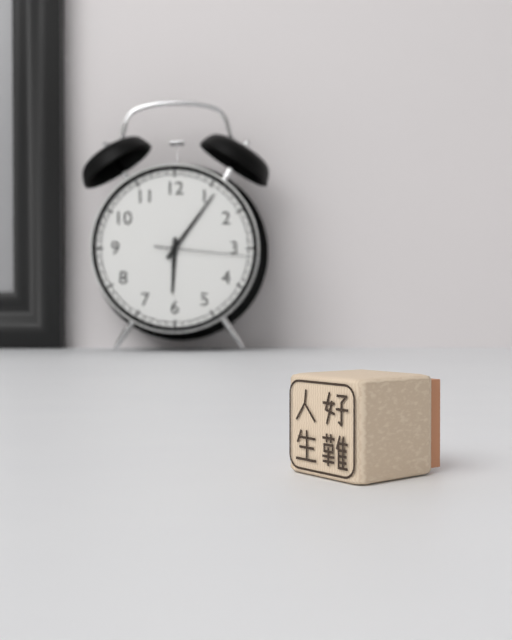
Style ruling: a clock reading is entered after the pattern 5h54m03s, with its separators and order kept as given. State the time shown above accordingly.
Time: 6h06m16s
